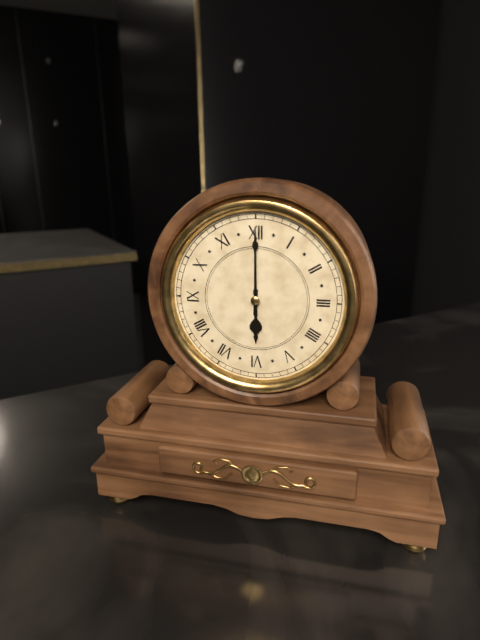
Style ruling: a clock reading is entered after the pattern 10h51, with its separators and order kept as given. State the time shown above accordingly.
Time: 6h00
